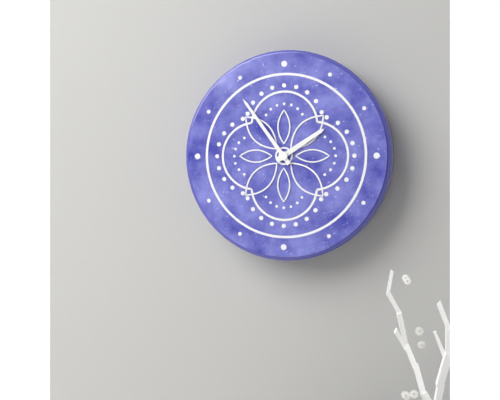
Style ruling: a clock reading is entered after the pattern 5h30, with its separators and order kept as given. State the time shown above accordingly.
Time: 1h54
